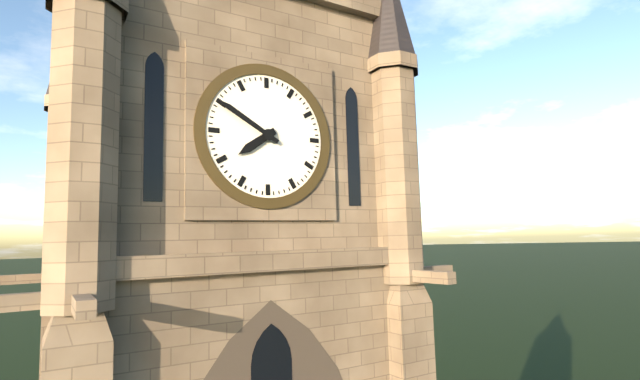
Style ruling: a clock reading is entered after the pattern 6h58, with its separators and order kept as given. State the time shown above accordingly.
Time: 7h50
